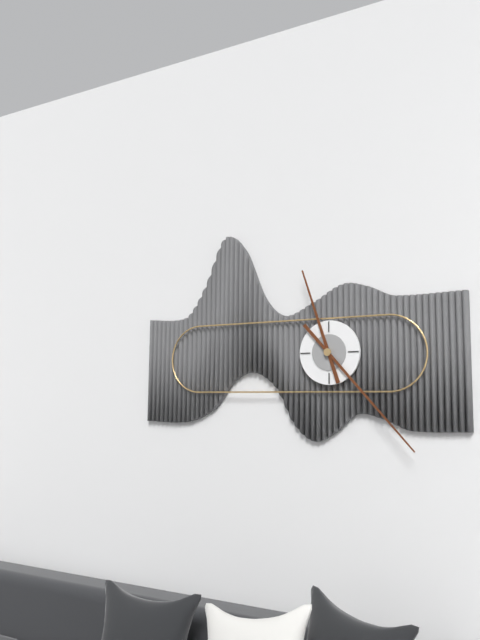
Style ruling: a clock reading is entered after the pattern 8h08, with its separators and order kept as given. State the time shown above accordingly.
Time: 11h23
